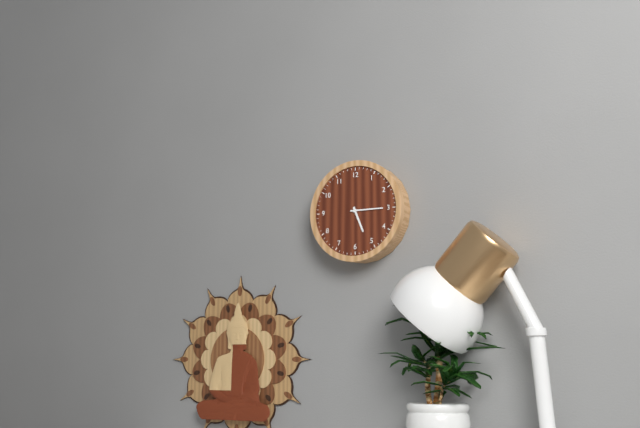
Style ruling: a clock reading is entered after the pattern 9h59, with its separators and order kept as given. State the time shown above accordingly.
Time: 5h15
